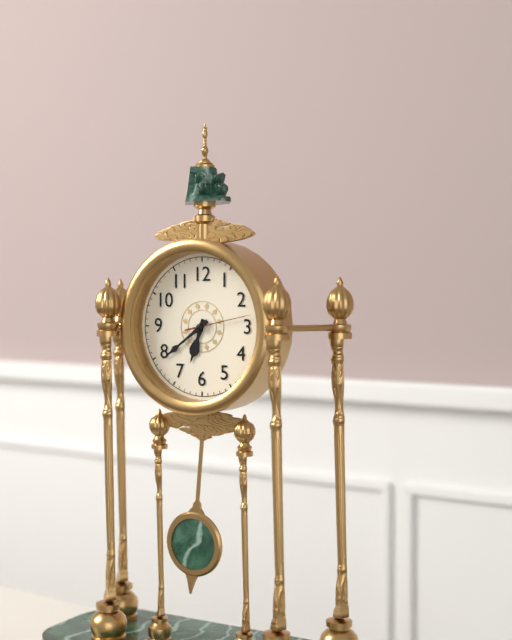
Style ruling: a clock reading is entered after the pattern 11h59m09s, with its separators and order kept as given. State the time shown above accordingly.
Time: 6h39m13s
